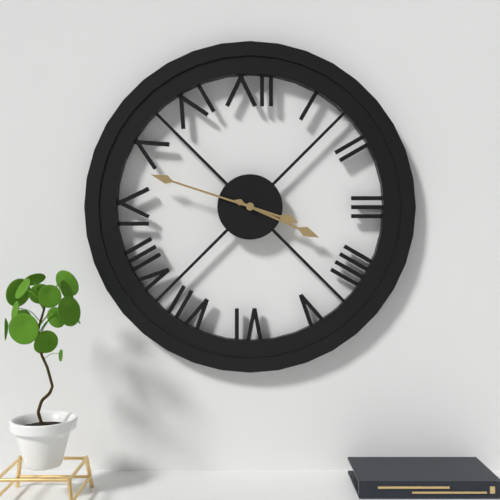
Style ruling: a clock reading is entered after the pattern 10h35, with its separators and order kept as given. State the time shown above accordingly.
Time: 3h48
